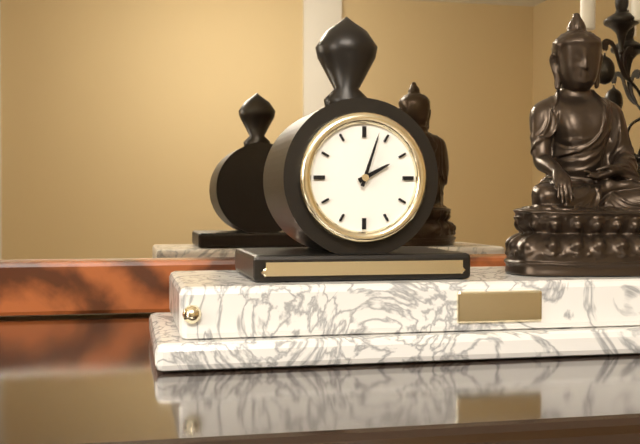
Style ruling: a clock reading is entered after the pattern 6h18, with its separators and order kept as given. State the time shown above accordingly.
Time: 2h03
